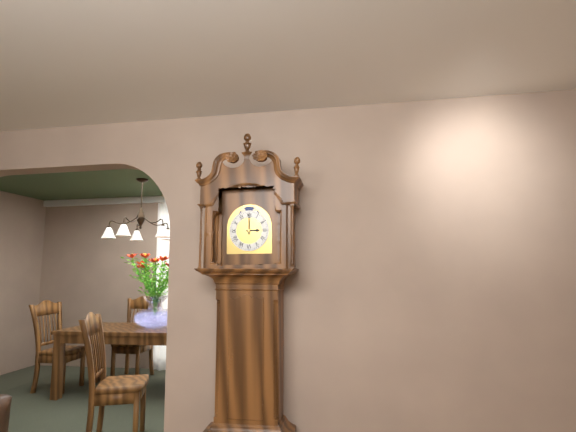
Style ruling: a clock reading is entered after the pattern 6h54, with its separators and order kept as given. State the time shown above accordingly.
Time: 3h00
